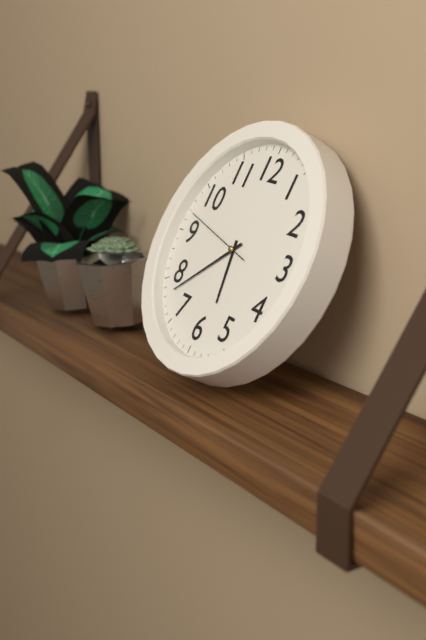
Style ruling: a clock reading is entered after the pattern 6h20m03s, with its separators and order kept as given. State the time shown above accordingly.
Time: 5h38m47s
